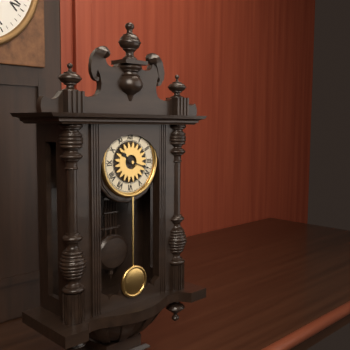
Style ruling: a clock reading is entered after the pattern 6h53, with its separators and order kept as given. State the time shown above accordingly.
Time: 10h18
